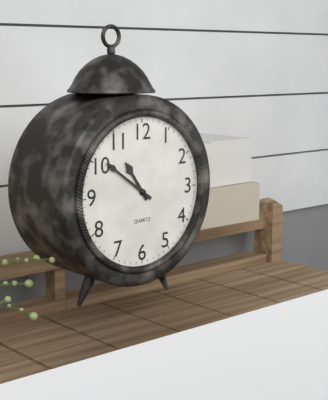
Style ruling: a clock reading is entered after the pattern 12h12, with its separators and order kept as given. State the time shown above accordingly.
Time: 10h51
